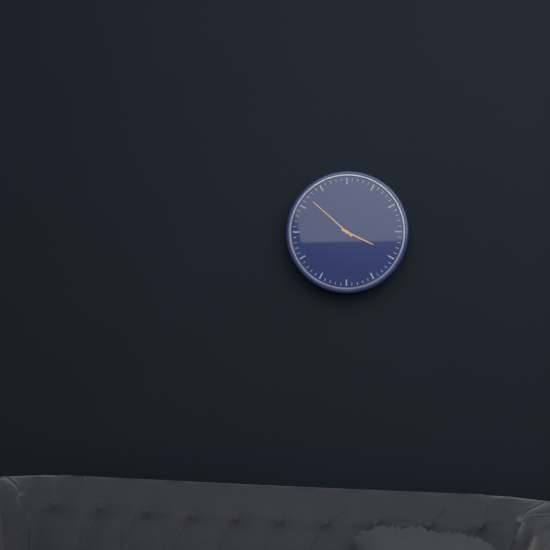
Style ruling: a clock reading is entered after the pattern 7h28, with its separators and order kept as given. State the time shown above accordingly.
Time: 3h52
